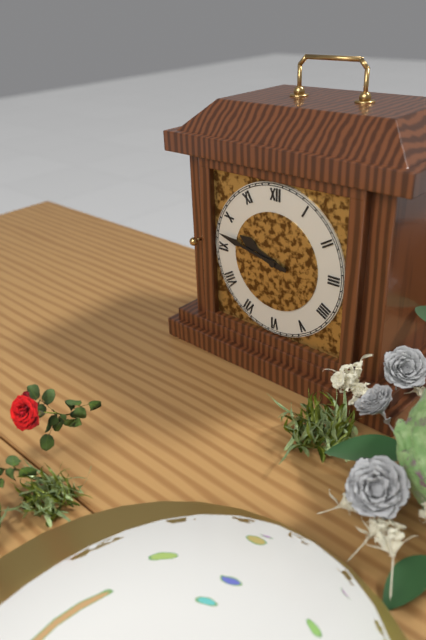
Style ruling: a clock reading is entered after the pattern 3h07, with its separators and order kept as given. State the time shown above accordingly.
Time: 9h47
